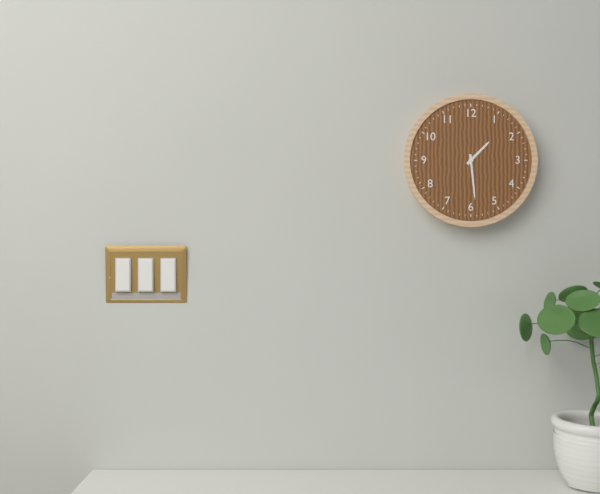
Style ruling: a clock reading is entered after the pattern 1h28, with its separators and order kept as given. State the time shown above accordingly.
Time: 1h29
